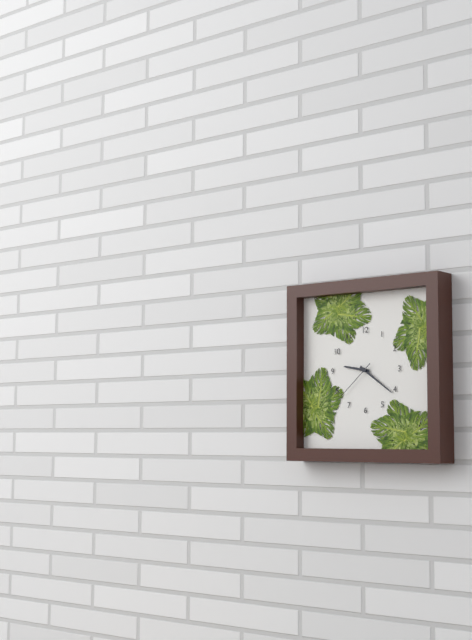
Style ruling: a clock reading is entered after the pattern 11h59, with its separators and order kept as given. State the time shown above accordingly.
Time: 9h21
